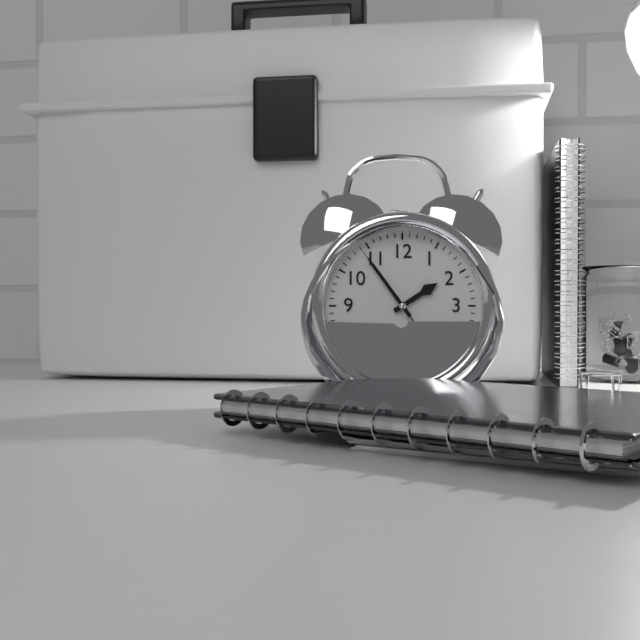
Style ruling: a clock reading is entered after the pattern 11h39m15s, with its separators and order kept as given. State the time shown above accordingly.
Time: 1h54m54s
